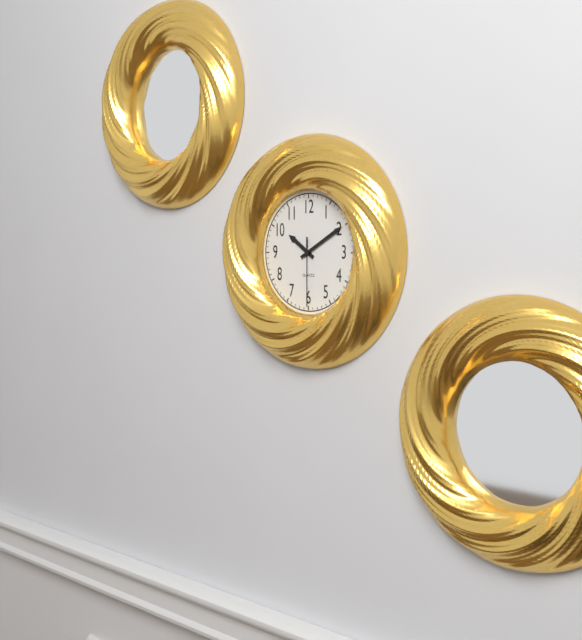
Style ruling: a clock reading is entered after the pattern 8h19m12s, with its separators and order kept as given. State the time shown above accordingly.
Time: 10h10m30s
